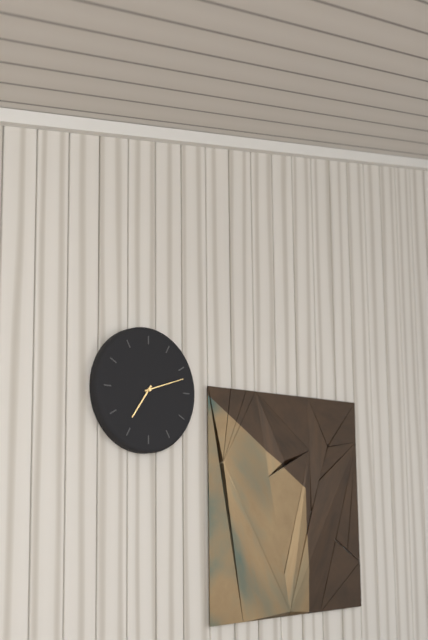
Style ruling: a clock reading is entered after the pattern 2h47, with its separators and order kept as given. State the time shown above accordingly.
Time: 7h12
